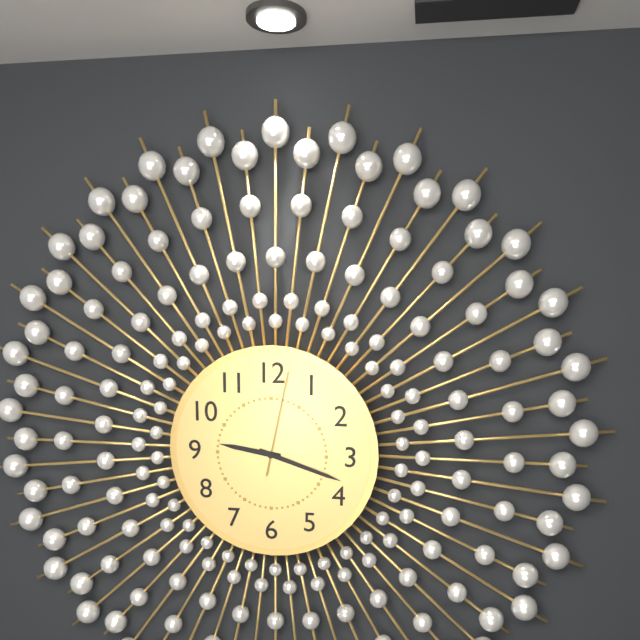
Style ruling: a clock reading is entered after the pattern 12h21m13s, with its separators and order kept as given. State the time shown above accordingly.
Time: 9h18m02s
